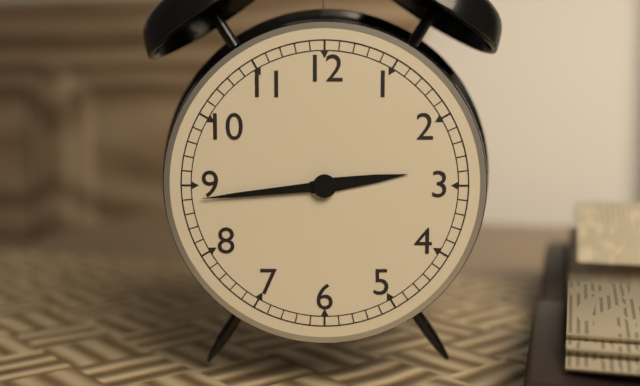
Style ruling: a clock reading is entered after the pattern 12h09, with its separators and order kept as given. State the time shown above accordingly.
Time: 2h44
